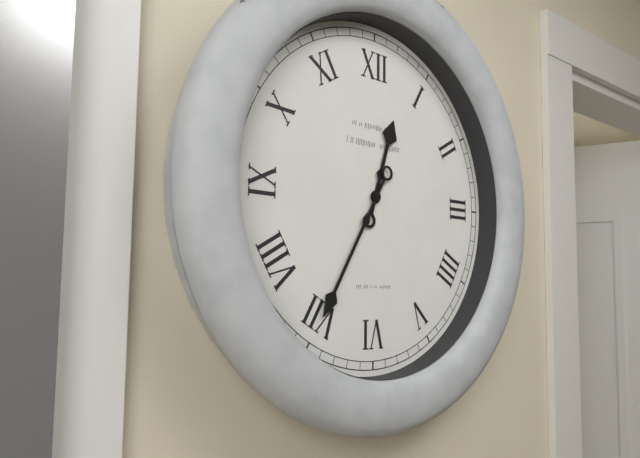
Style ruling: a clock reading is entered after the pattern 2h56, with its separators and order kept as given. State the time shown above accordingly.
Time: 12h35
